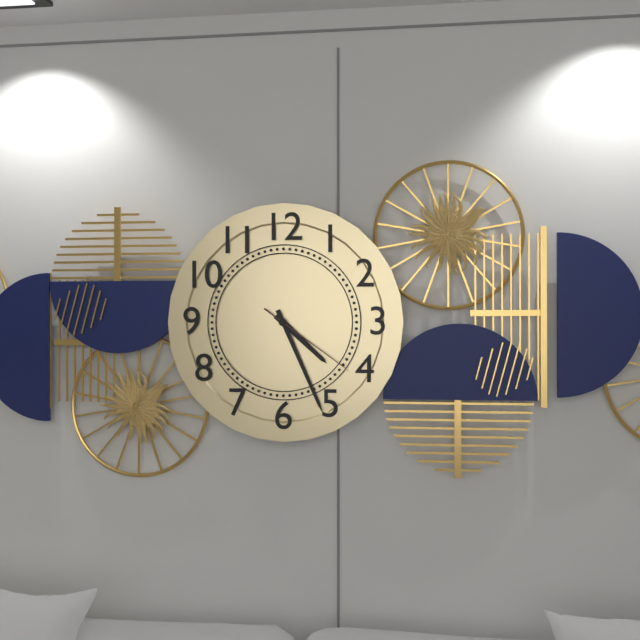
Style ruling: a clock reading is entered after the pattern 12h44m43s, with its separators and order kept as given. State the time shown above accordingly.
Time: 4h26m21s
